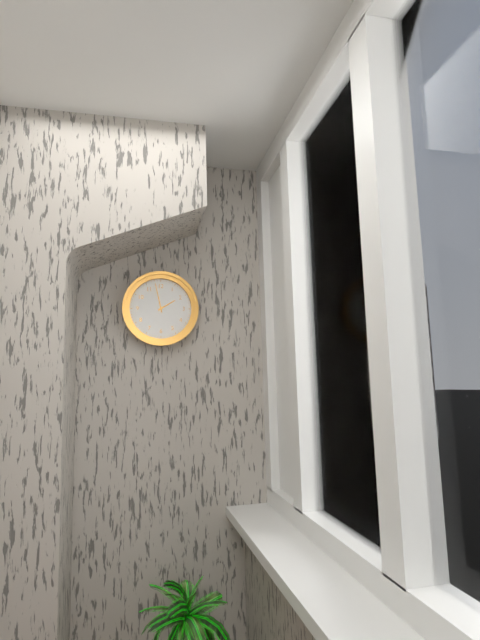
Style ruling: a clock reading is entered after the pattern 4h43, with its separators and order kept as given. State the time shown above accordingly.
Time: 1h58
